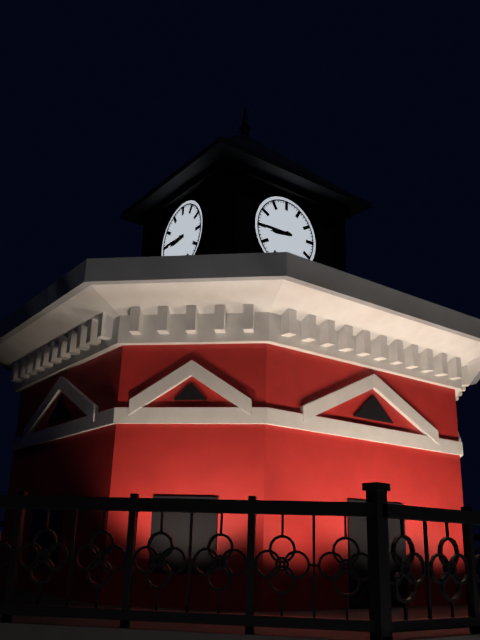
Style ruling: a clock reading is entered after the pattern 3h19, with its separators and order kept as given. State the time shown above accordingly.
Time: 8h45
